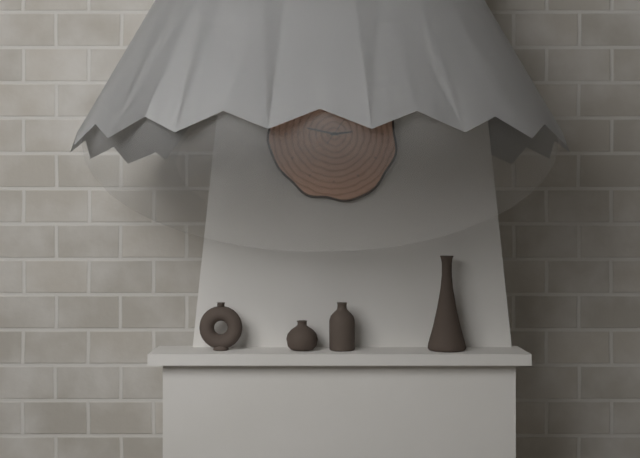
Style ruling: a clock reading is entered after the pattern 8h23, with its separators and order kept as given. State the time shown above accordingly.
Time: 2h47
